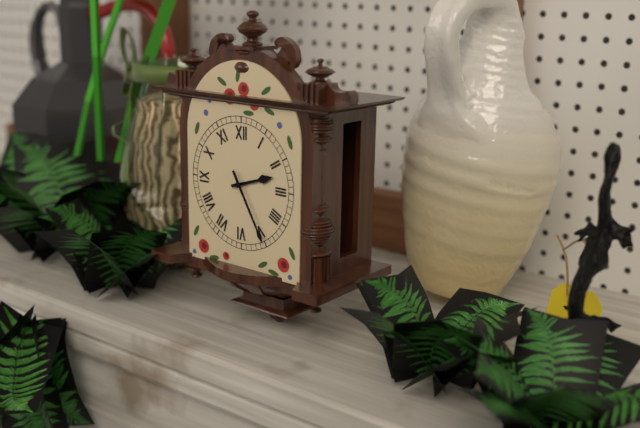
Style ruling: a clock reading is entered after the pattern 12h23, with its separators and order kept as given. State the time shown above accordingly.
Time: 2h25
